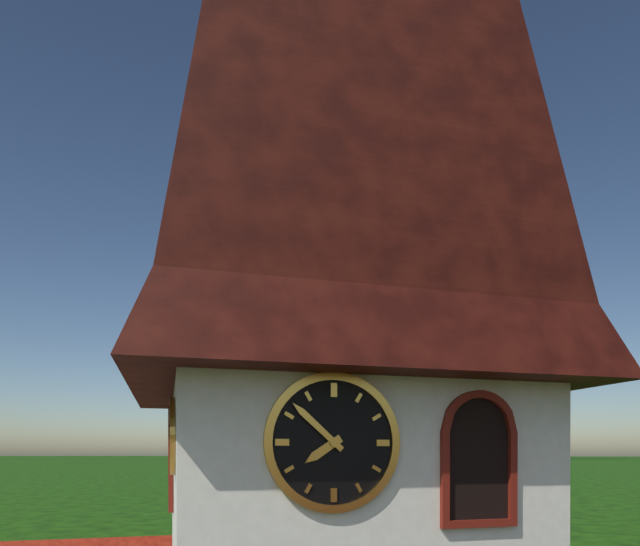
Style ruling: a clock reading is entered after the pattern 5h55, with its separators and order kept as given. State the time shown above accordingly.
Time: 7h52
